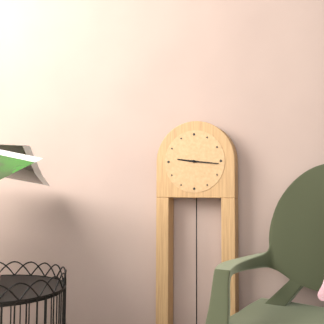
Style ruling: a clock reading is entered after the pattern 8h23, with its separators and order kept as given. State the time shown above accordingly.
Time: 9h16
